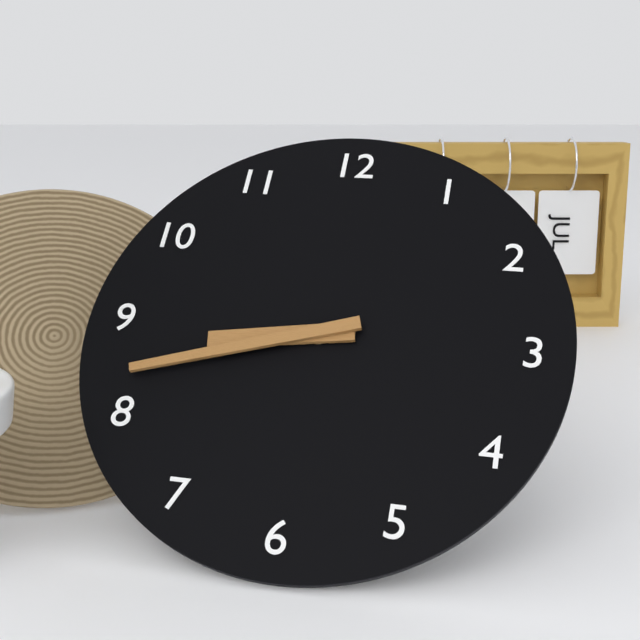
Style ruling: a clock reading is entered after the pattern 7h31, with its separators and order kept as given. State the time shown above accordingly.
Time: 8h42
